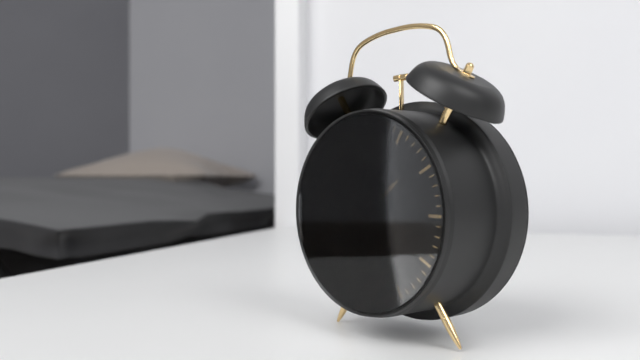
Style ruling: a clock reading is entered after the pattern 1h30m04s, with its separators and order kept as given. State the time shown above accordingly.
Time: 1h45m35s
